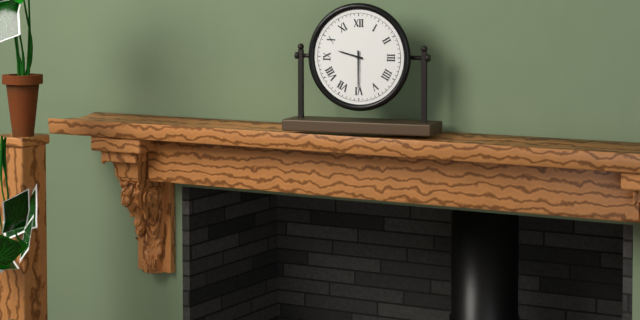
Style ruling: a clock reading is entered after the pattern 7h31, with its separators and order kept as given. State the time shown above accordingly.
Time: 9h30
